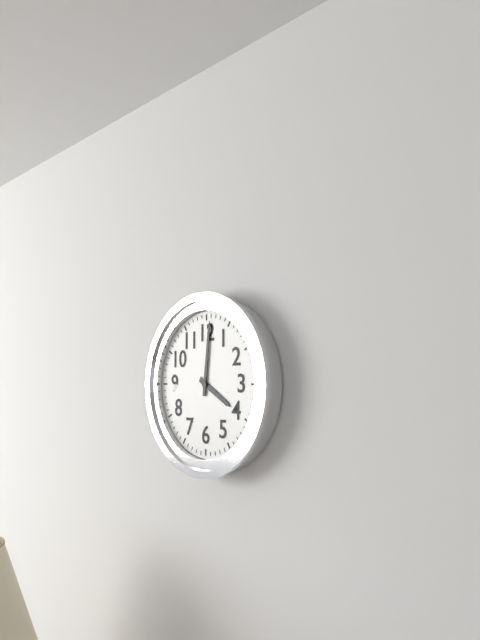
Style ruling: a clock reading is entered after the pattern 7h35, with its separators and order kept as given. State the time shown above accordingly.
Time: 4h01
